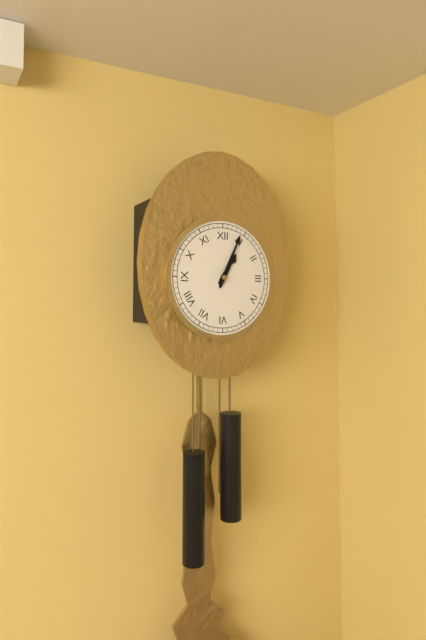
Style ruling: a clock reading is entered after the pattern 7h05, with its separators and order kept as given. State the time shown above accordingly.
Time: 1h04
